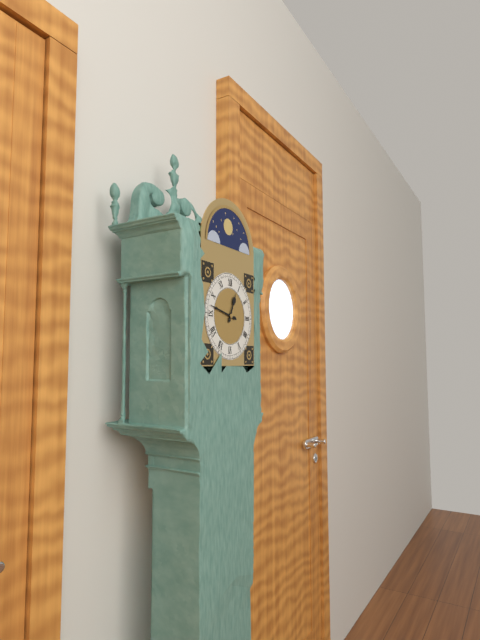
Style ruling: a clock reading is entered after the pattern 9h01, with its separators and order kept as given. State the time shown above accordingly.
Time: 12h47
